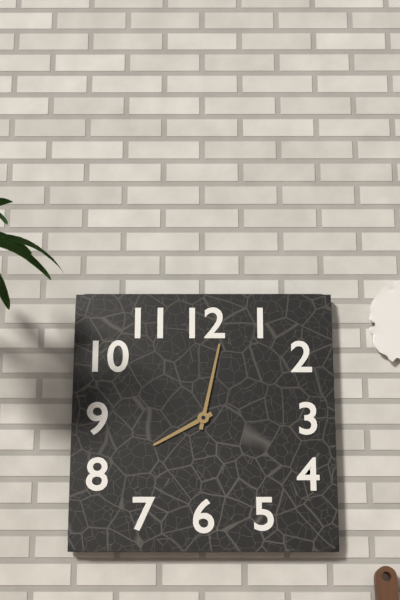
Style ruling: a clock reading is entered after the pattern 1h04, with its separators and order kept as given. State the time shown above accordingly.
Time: 8h02
